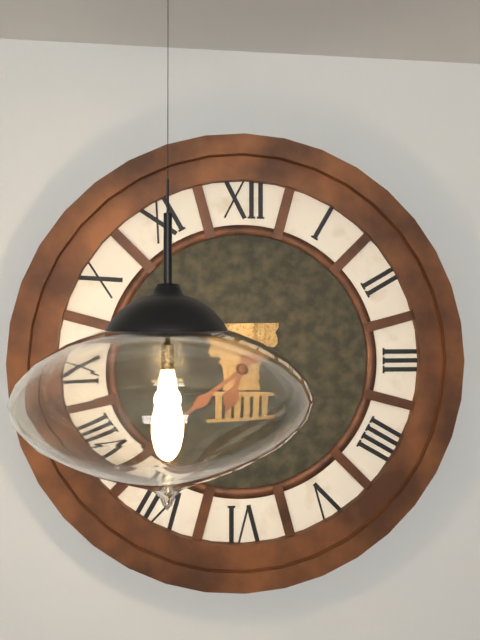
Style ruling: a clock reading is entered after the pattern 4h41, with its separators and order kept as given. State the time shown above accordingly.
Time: 6h38
